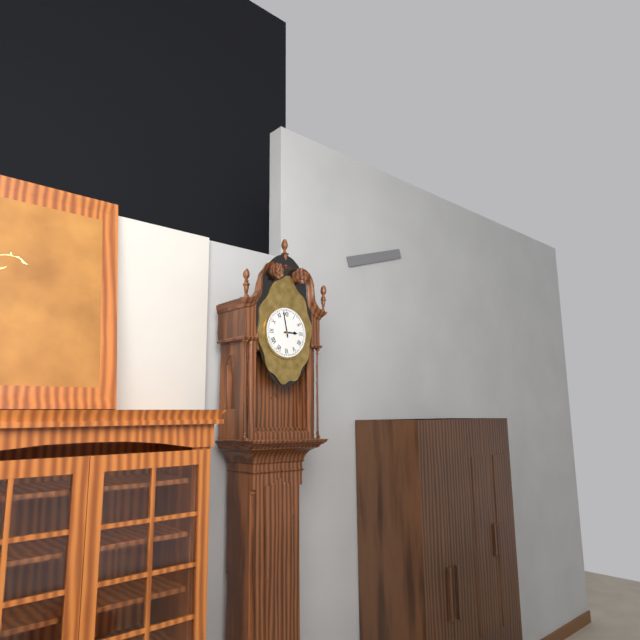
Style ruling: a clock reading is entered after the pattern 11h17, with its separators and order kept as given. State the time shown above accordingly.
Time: 2h58
